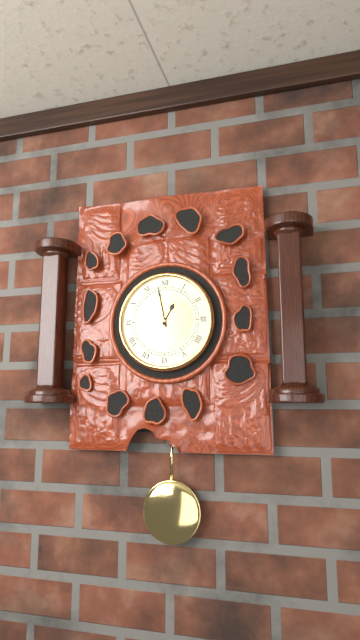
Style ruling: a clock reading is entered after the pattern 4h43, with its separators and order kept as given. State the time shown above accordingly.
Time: 12h58
